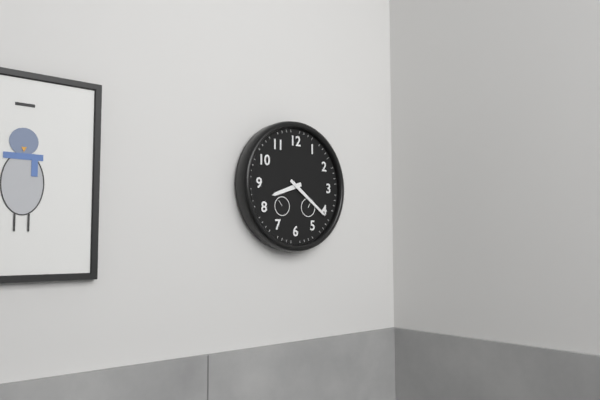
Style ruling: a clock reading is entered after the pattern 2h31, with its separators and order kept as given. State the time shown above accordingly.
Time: 8h21
